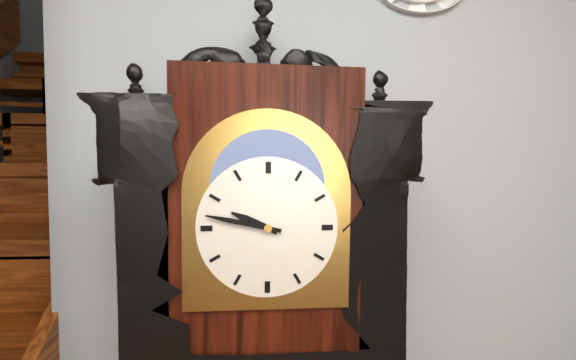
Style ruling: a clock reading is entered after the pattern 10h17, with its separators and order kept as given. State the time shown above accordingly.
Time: 9h47
